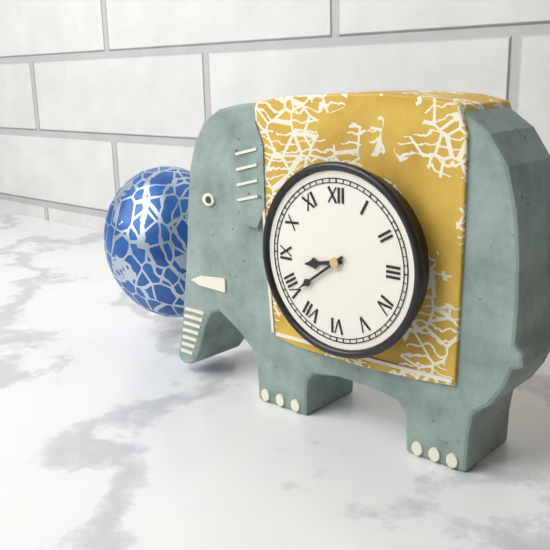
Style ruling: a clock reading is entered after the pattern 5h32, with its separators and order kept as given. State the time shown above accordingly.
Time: 8h39
